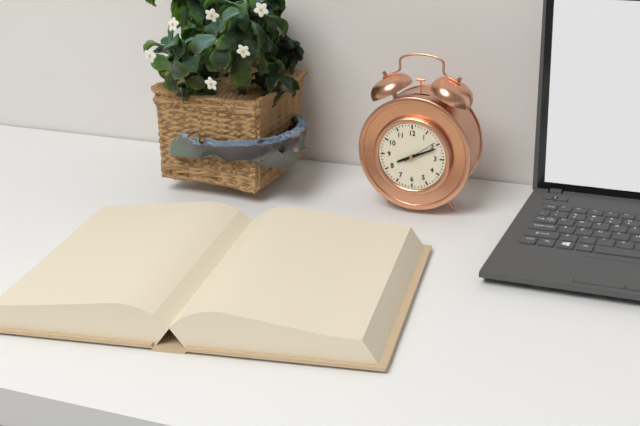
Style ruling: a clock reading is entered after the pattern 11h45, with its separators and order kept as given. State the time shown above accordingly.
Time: 8h11
